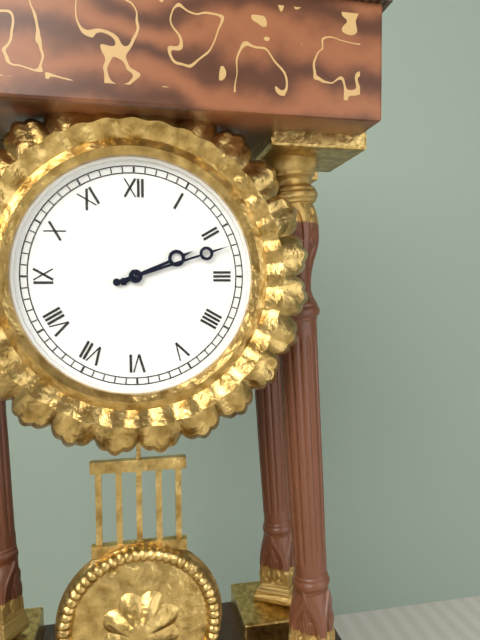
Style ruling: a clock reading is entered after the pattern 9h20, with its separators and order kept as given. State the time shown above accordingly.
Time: 2h12
